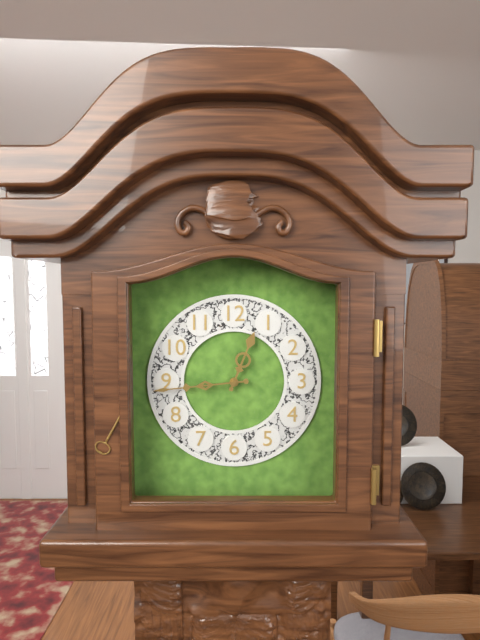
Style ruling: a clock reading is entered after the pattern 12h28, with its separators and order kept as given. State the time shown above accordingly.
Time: 12h44
